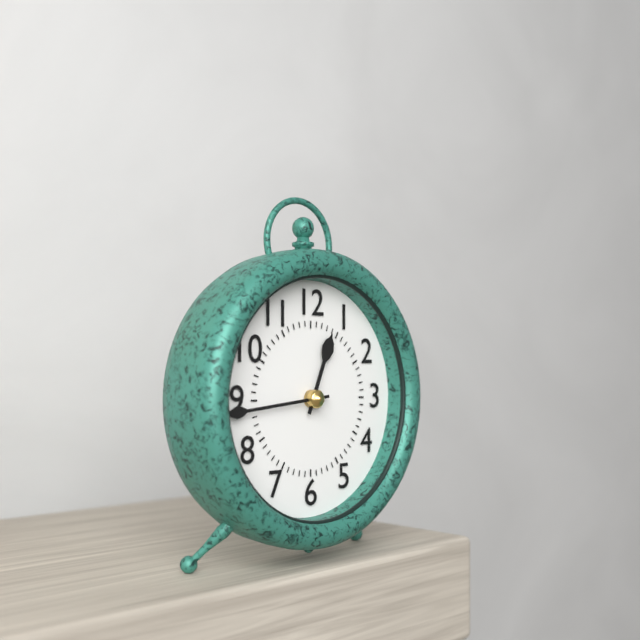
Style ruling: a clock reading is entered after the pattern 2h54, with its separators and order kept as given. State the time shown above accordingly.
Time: 12h44
